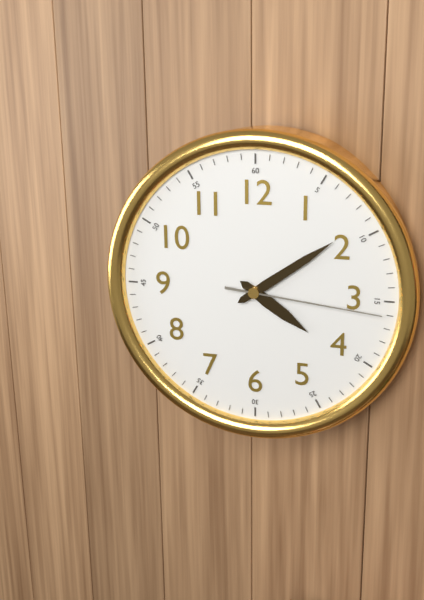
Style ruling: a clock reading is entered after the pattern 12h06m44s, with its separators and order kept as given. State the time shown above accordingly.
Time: 4h09m16s
